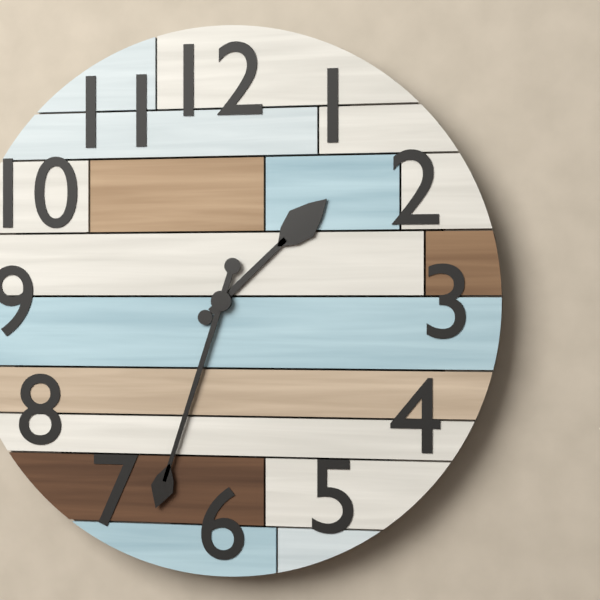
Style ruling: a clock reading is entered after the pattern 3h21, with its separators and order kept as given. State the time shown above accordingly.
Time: 1h33
